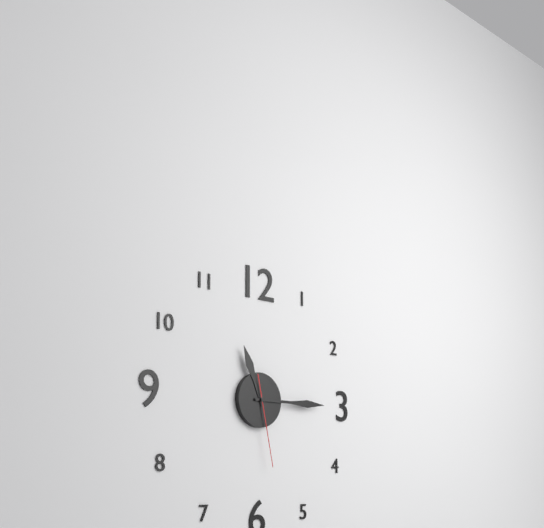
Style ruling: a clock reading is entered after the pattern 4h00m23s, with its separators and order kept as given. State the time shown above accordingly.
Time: 11h15m28s
